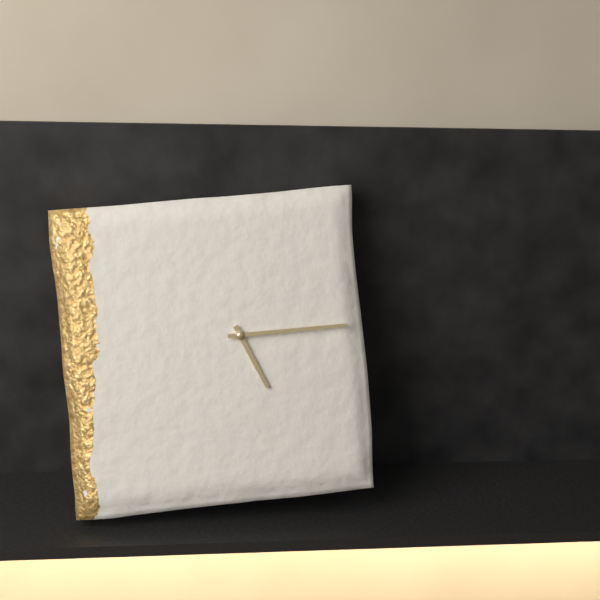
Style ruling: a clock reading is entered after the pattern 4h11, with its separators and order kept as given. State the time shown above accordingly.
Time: 5h15
